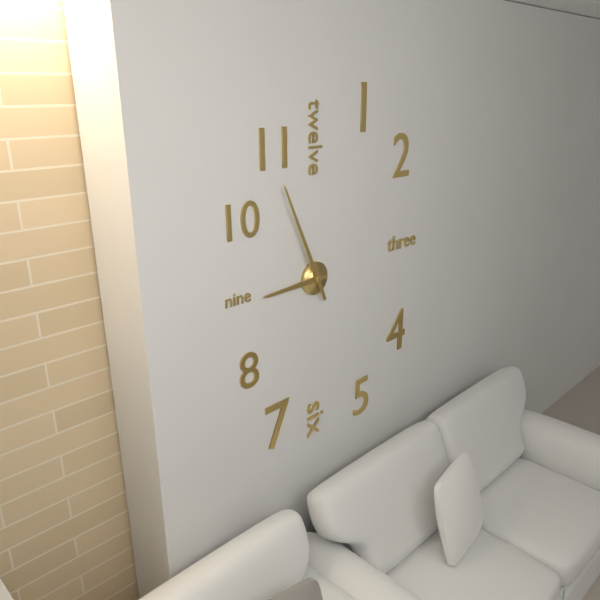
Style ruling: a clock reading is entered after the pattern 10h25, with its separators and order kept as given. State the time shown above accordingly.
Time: 8h56
